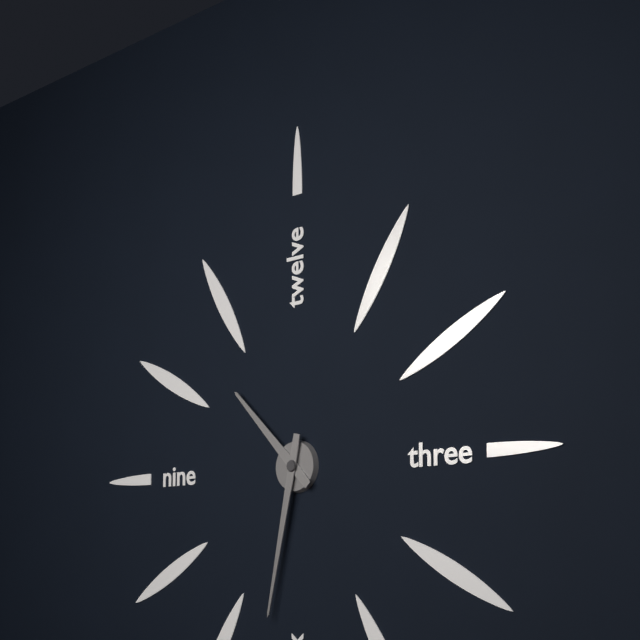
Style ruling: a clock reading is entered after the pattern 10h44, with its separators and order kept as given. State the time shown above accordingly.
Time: 10h32
